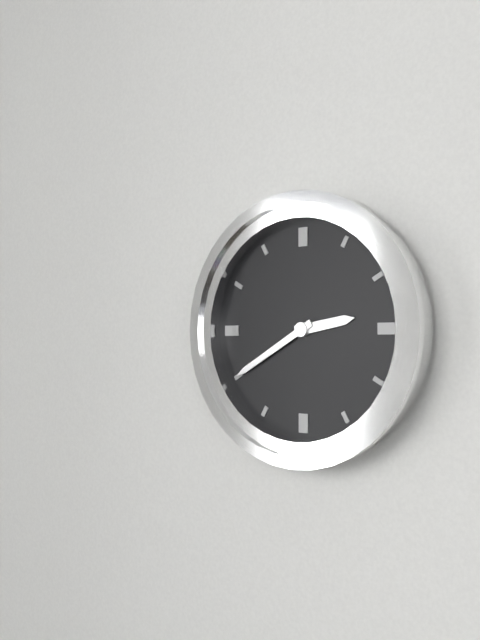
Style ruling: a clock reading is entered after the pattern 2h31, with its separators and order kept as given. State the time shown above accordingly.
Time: 2h40
